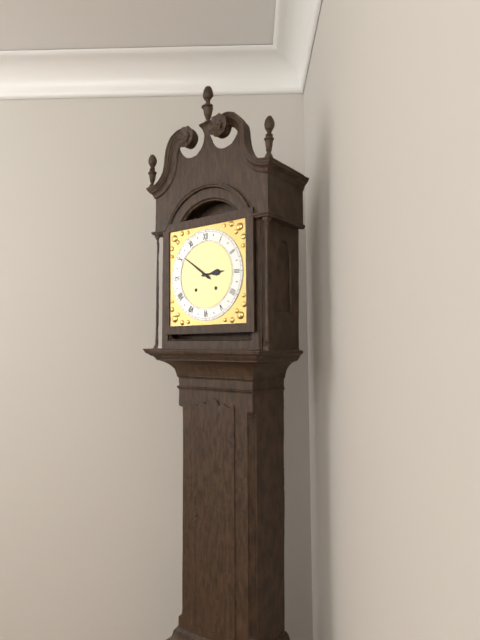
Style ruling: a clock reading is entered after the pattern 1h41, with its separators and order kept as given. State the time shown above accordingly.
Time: 2h51
